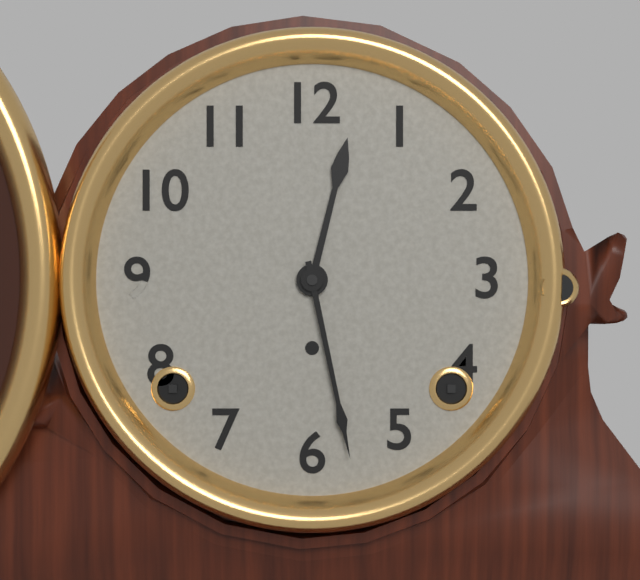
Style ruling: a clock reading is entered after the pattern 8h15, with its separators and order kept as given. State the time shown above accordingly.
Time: 12h28
